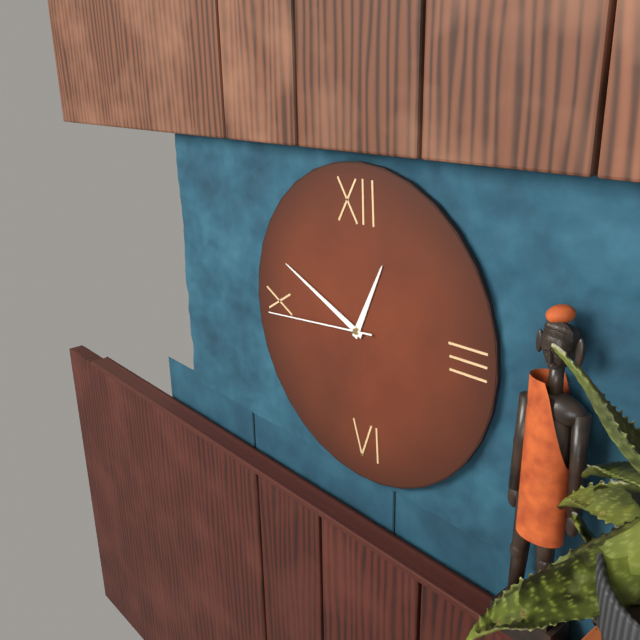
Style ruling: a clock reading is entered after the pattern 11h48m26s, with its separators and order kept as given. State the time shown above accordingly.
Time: 12h49m44s
